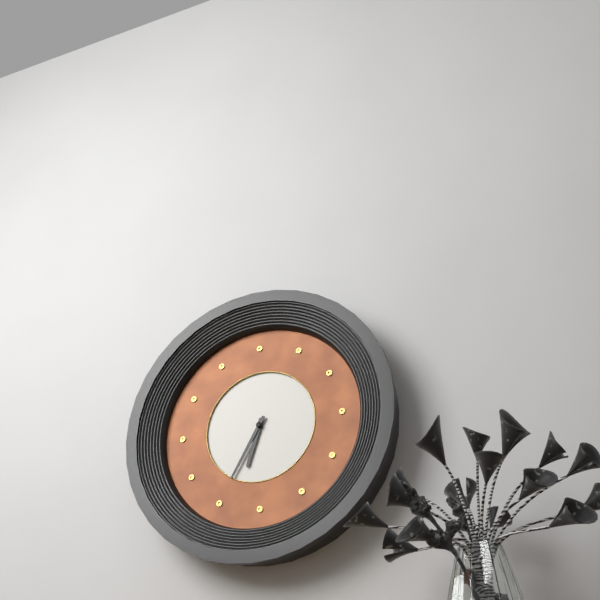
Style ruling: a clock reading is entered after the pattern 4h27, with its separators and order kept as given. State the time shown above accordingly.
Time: 6h35
